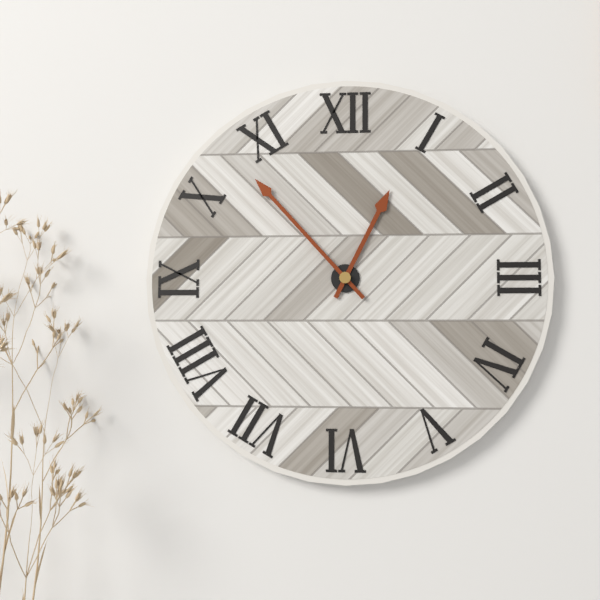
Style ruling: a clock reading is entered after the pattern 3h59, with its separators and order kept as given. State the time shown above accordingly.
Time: 12h53
